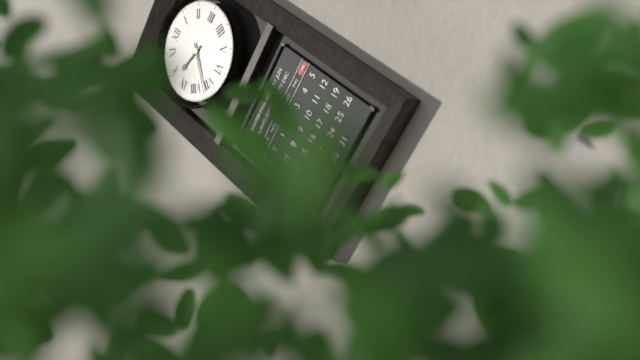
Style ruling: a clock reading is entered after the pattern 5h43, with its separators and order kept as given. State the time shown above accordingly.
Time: 9h37
